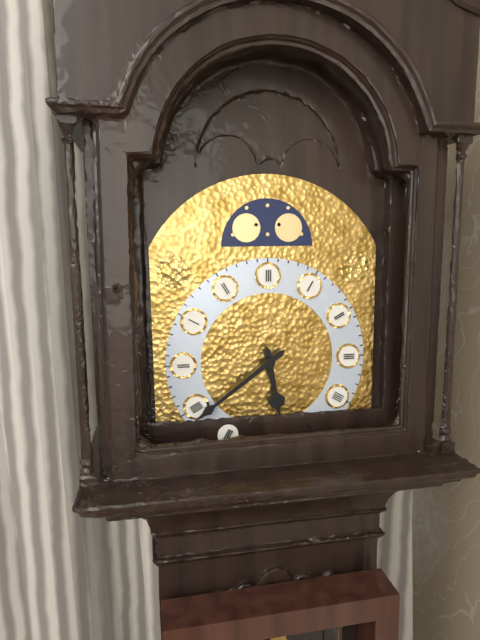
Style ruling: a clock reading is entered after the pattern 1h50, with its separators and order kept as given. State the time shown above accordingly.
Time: 5h39
